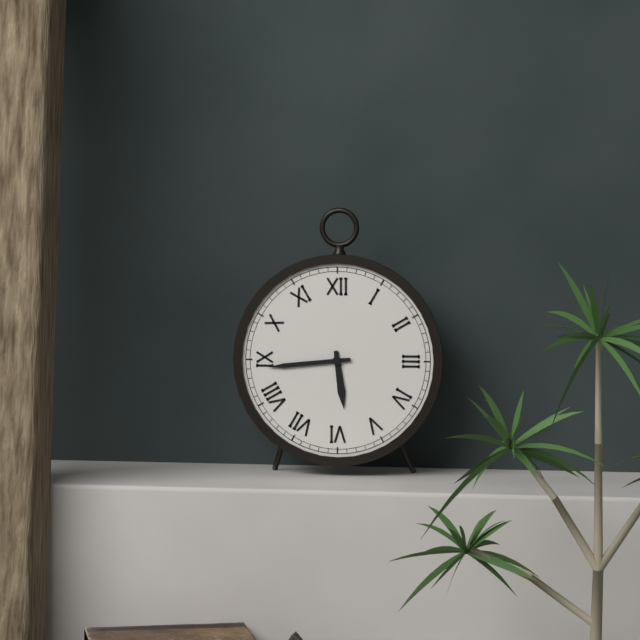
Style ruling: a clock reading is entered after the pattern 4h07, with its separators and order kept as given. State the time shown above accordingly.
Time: 5h44
